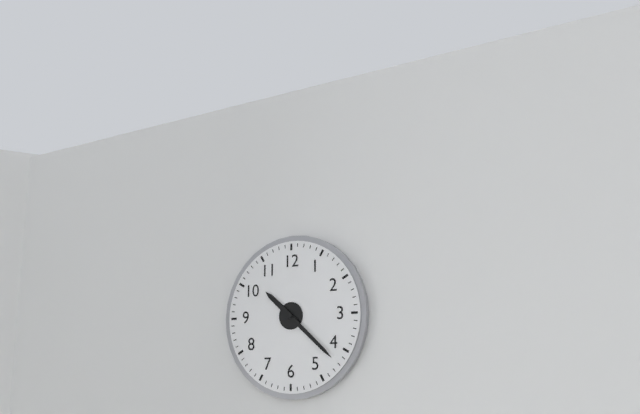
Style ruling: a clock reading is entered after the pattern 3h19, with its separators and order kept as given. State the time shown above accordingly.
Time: 10h22
